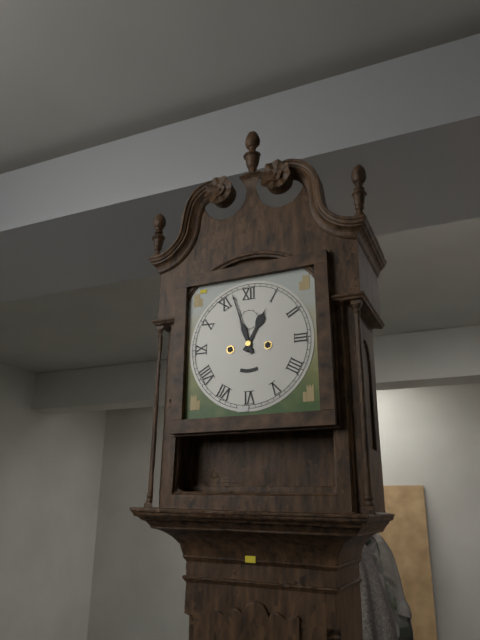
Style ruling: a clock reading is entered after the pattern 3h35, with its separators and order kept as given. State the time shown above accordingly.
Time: 12h57
